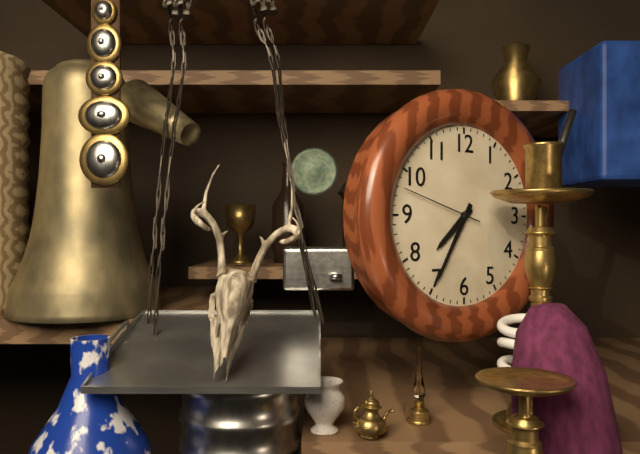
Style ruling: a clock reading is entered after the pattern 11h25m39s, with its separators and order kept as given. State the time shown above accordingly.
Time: 7h35m48s
